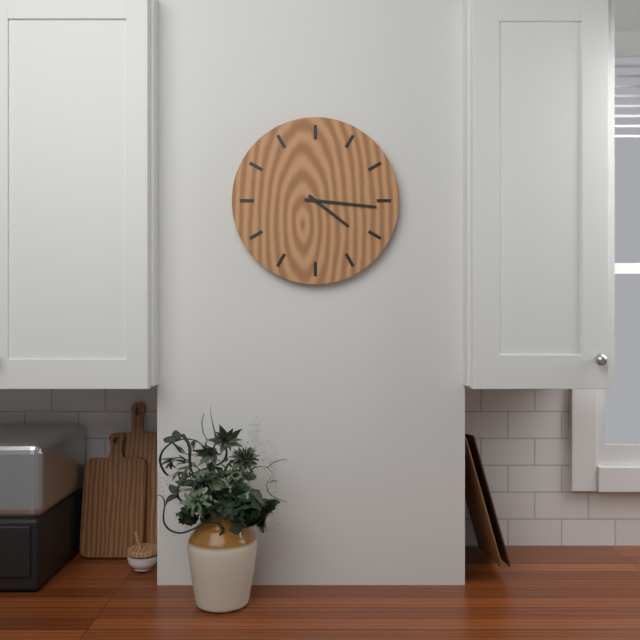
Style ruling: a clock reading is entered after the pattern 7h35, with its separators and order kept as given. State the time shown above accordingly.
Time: 4h16
